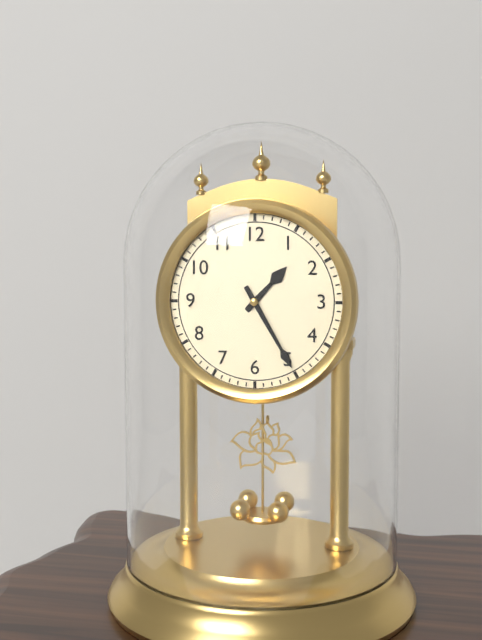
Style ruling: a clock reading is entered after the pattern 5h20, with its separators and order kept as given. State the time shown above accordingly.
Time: 1h25
